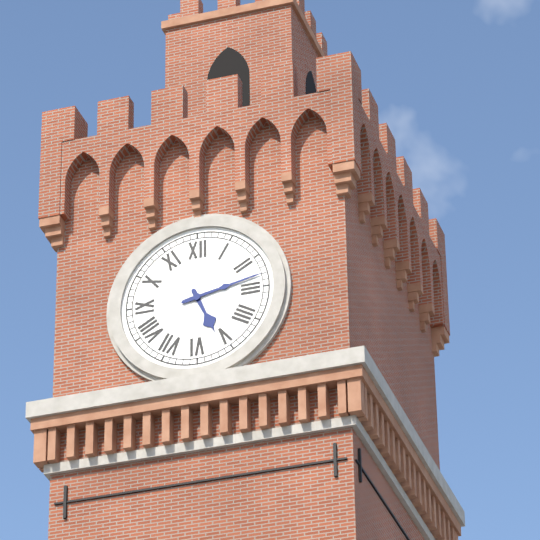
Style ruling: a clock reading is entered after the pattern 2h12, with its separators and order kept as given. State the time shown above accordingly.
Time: 5h13
